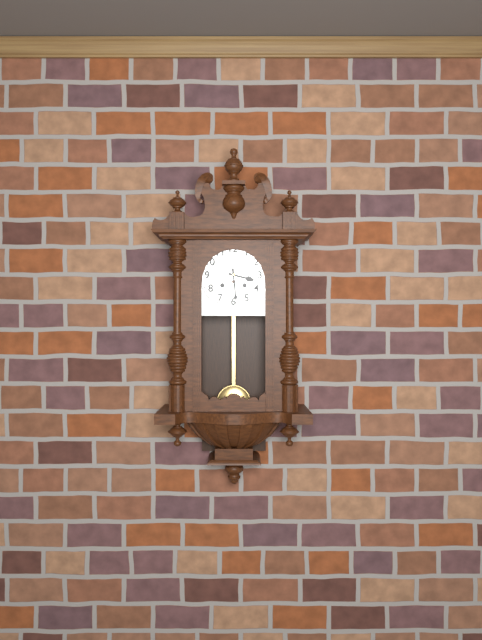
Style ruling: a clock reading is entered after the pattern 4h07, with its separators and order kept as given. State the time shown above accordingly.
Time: 3h29
